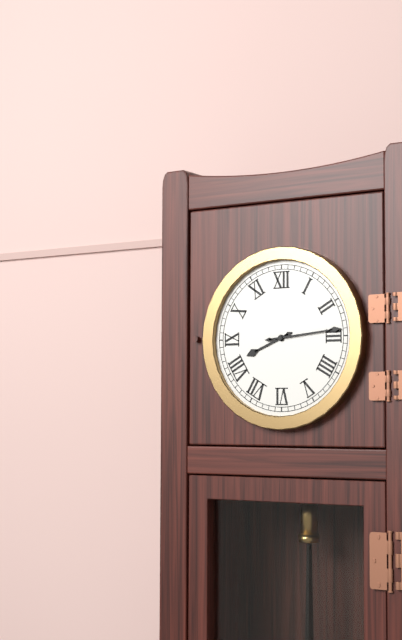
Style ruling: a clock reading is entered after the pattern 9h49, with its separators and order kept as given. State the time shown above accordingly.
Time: 8h14
